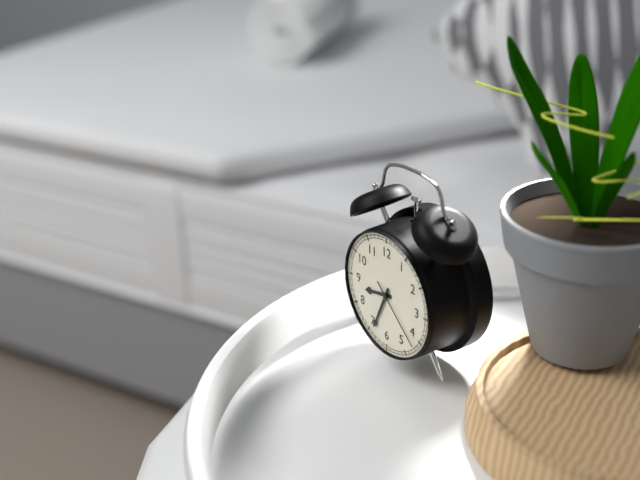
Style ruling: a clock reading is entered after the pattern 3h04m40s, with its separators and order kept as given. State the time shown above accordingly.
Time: 8h34m22s
